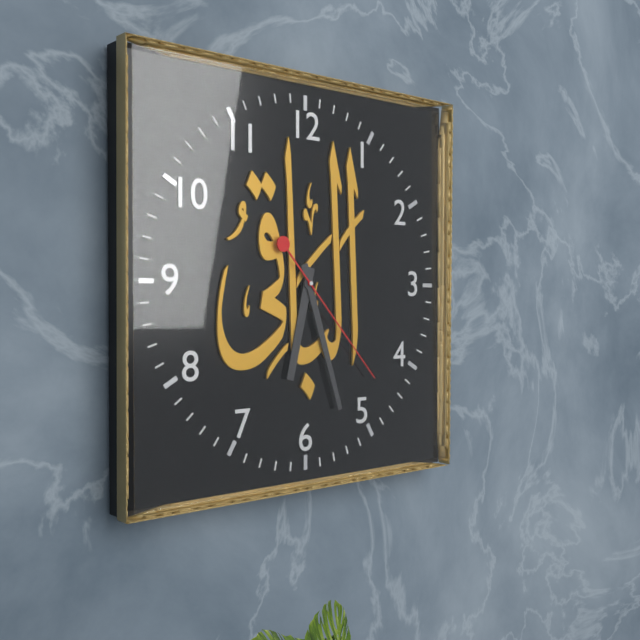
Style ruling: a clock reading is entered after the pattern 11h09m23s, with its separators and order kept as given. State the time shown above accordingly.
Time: 6h27m23s
